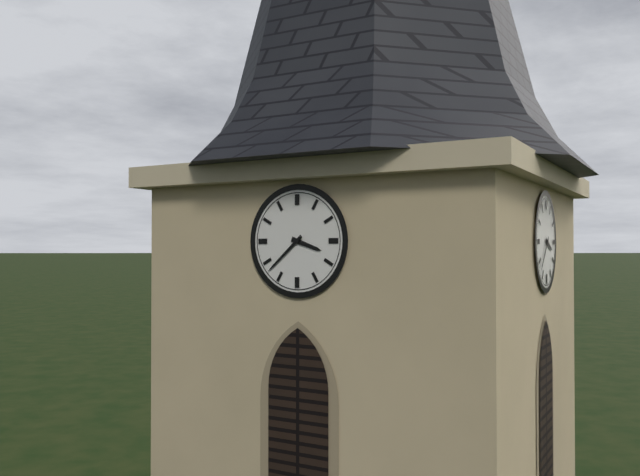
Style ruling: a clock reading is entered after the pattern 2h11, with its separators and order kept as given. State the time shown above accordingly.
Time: 3h38
